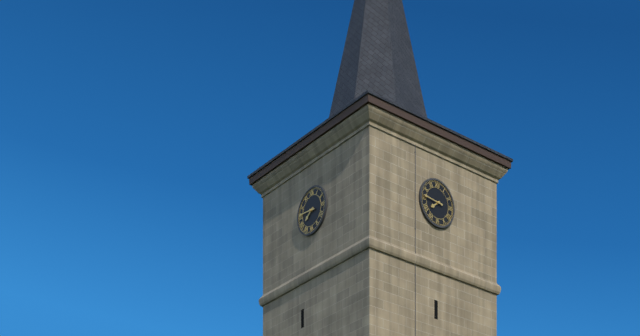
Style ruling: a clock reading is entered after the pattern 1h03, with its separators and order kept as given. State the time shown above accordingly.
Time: 7h46
